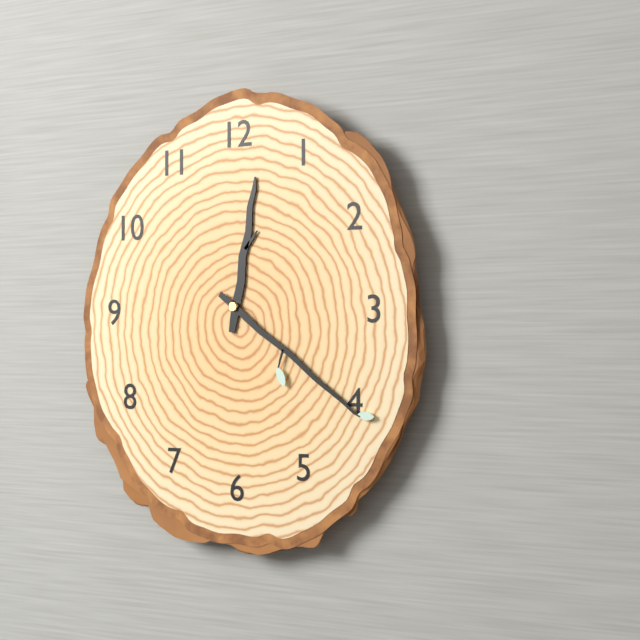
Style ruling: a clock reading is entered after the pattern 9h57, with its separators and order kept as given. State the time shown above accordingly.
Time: 12h21
